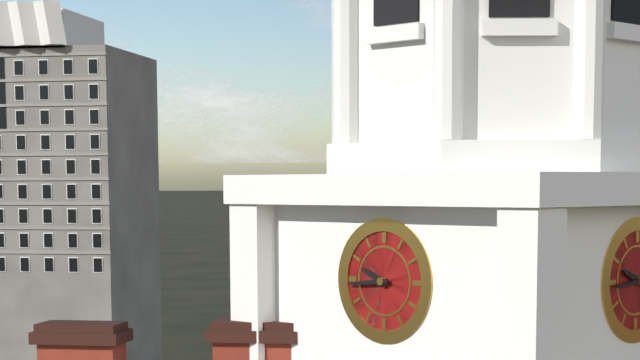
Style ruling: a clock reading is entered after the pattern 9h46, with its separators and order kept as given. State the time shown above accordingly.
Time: 9h44
